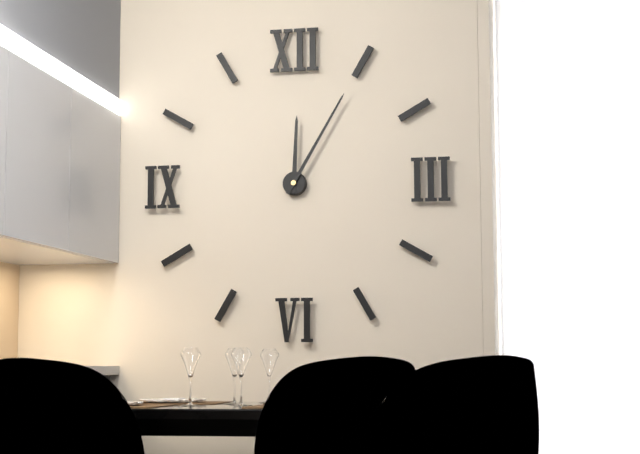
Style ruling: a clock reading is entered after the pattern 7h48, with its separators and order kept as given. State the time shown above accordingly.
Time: 12h05
